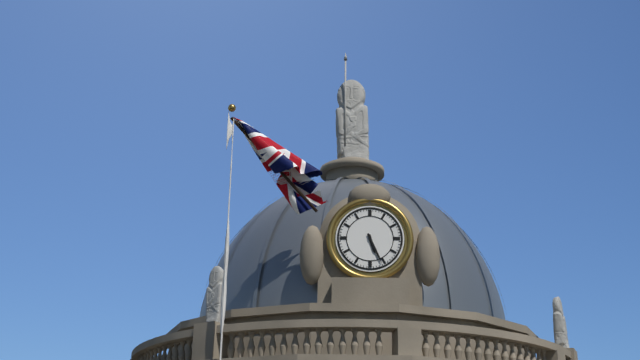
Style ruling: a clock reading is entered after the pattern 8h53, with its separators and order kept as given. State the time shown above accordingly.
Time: 5h26
